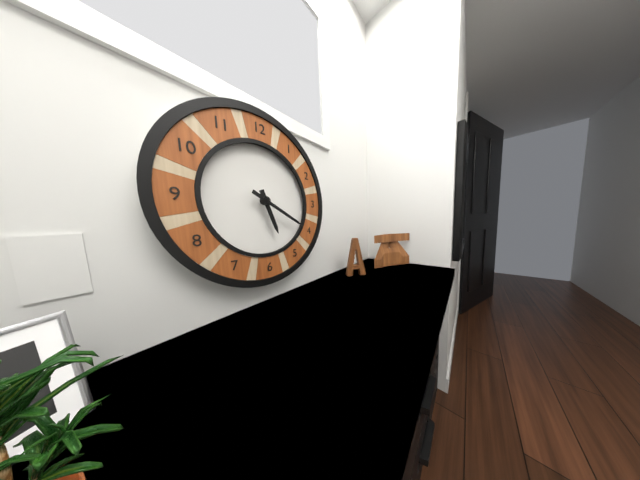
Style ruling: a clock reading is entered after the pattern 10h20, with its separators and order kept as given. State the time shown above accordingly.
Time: 5h20
